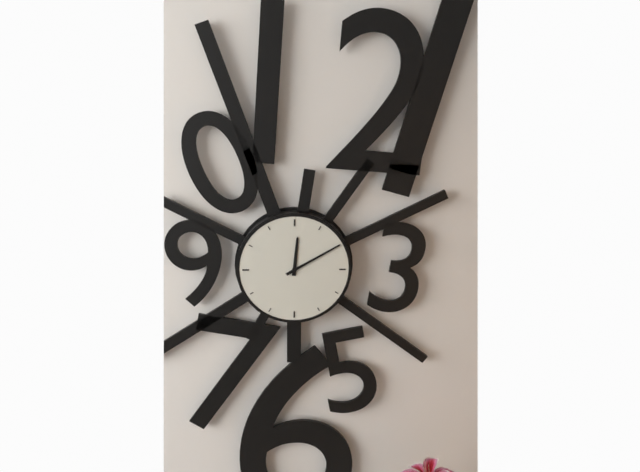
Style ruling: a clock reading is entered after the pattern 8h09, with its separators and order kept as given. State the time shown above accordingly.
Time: 12h10
